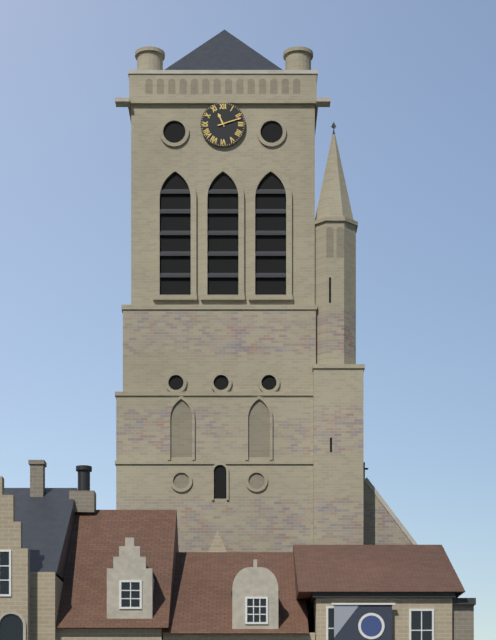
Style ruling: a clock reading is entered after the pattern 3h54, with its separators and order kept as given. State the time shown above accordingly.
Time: 11h12
